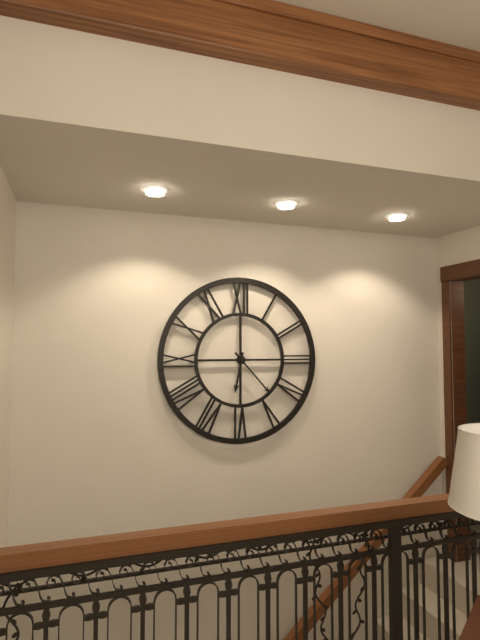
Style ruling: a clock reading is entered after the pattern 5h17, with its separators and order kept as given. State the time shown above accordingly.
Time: 6h23
